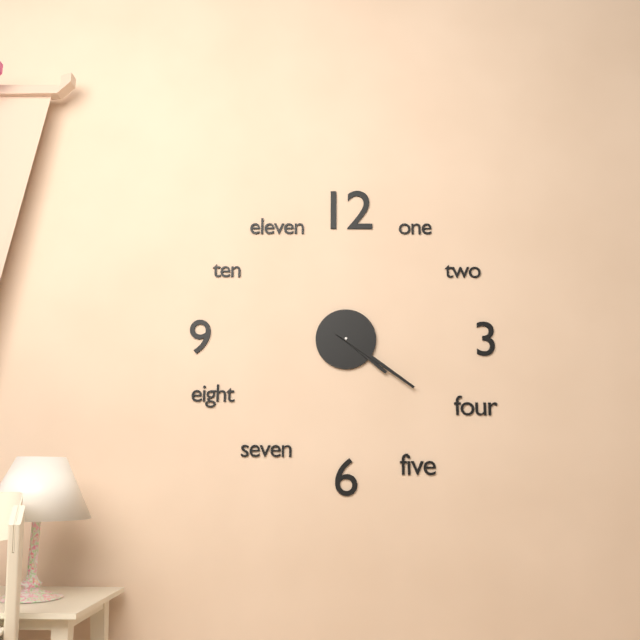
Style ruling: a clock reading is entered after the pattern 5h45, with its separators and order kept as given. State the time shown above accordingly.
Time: 4h21
